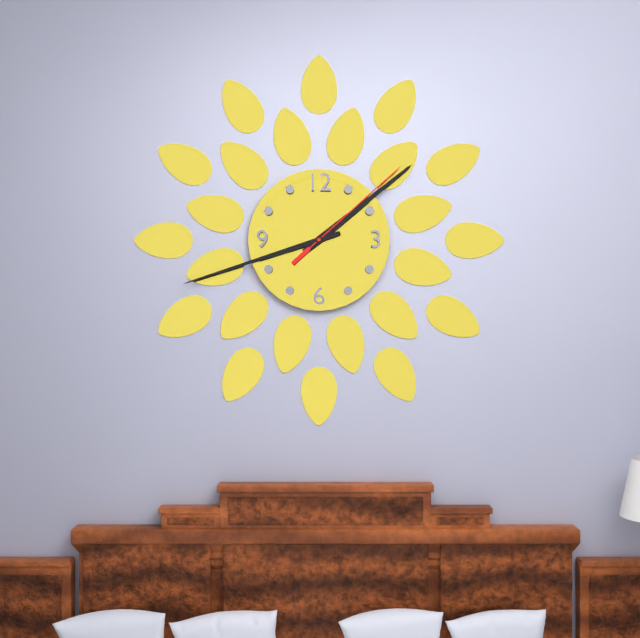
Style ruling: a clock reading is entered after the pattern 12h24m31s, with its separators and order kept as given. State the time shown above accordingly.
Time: 1h42m08s
